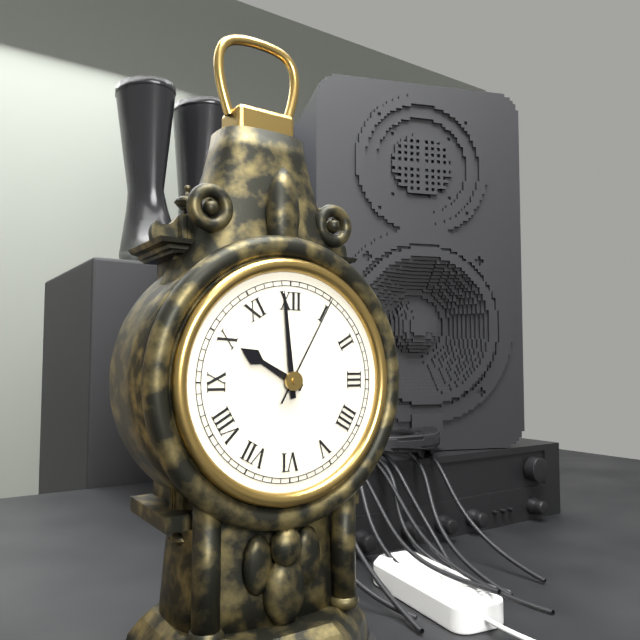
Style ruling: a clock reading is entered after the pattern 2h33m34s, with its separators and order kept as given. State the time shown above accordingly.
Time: 9h59m05s
